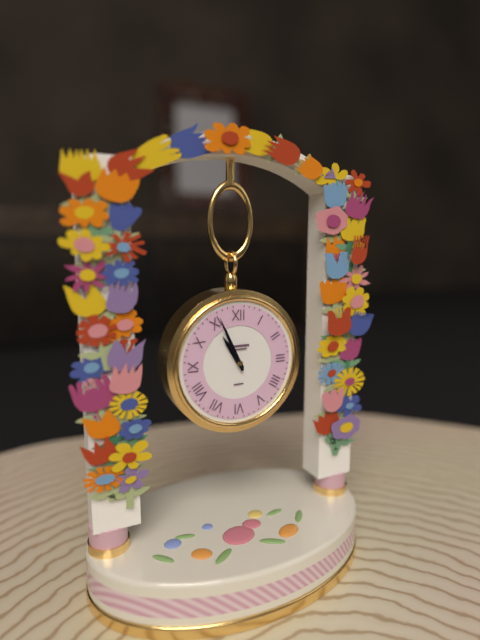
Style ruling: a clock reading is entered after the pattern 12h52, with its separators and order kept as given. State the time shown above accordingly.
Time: 10h56
